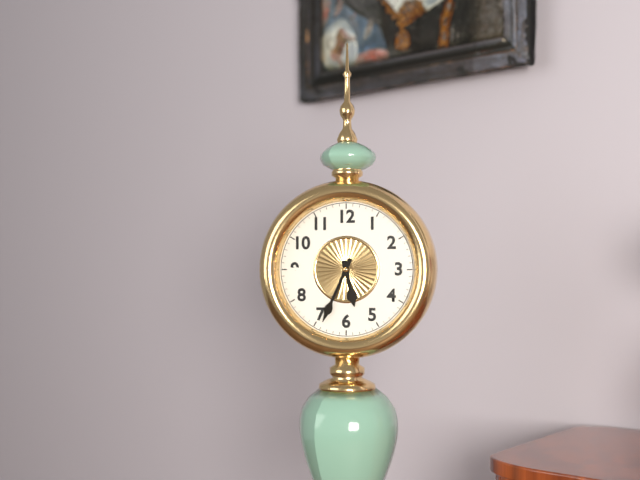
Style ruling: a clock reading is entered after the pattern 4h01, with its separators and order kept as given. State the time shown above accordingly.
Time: 5h34
